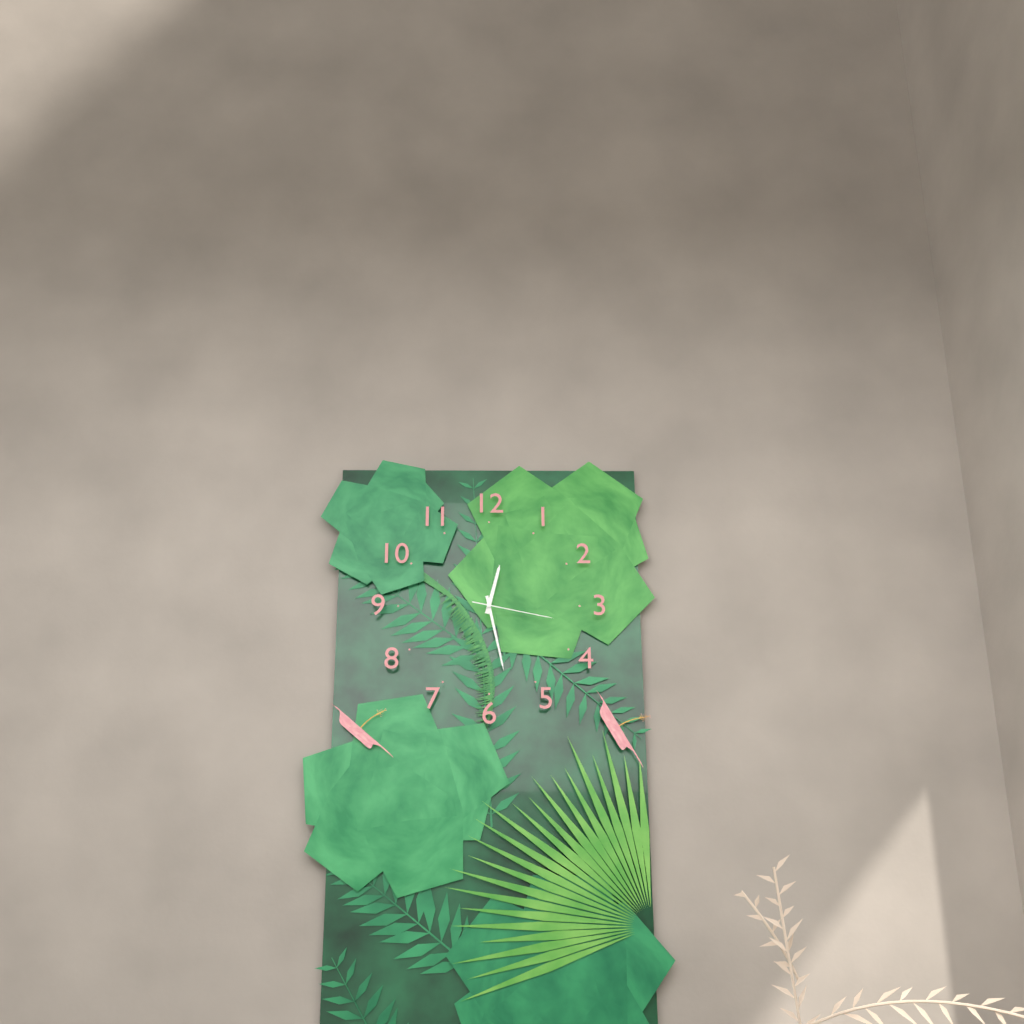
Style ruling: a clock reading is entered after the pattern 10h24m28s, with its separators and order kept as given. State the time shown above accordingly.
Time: 12h28m17s
